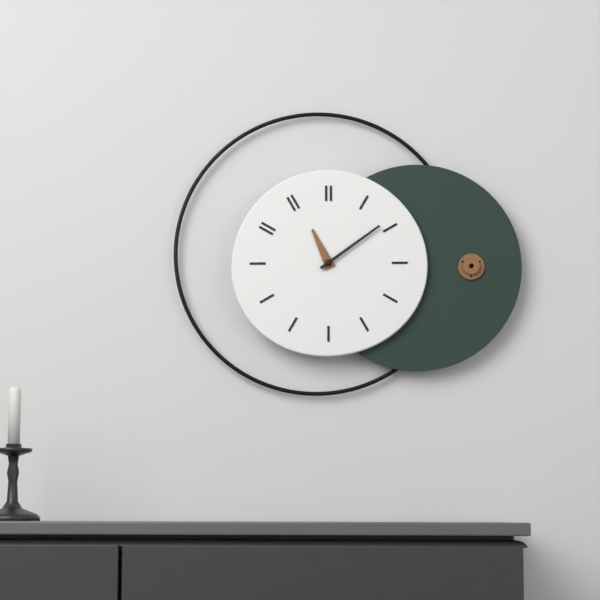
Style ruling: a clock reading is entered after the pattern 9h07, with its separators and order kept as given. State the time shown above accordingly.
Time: 11h09
